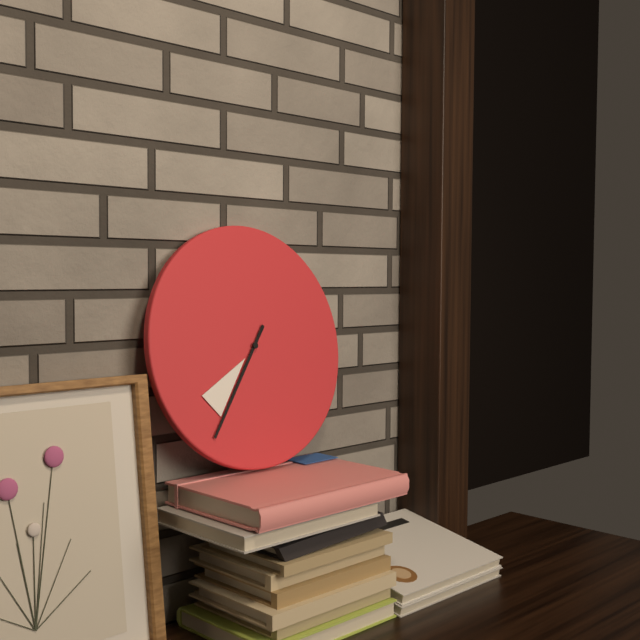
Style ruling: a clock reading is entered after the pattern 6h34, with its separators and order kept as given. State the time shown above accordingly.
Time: 7h36
